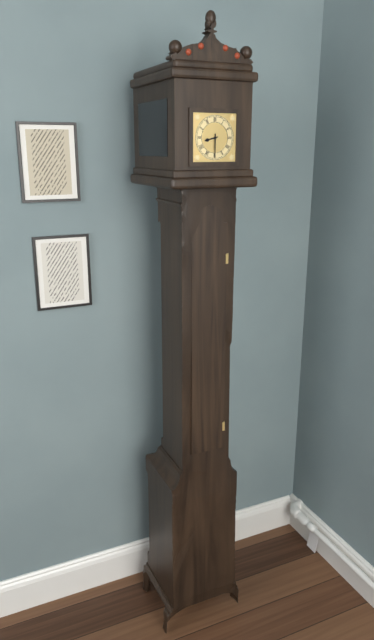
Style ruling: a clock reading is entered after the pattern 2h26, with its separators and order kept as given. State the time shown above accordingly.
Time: 8h30
